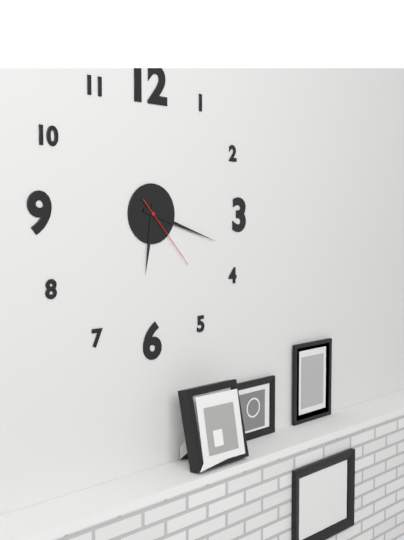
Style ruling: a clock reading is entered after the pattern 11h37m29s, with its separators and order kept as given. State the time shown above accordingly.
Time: 6h18m23s
